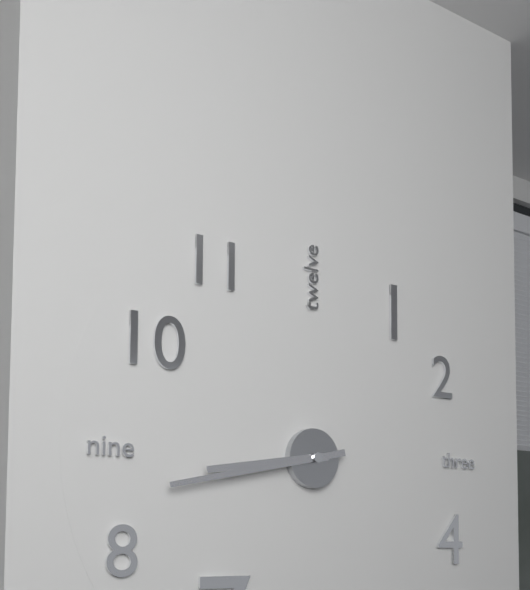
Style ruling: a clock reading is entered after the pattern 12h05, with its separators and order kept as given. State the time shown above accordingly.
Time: 8h43
